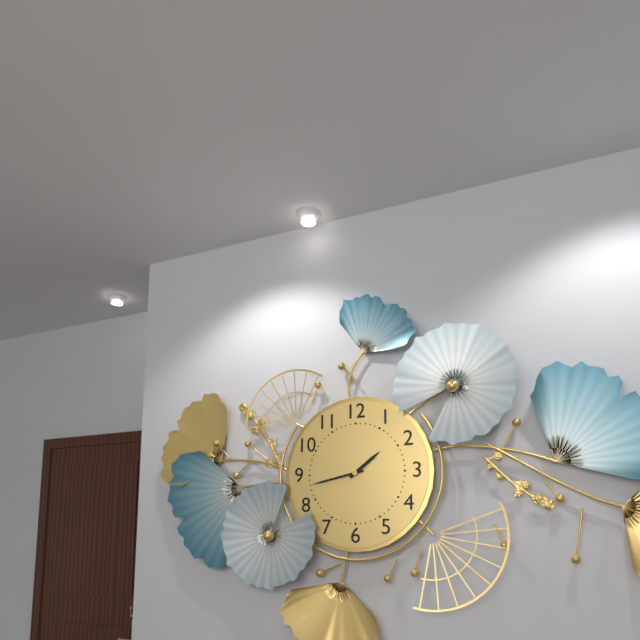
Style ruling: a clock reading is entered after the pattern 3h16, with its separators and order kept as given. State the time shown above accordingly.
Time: 1h43
